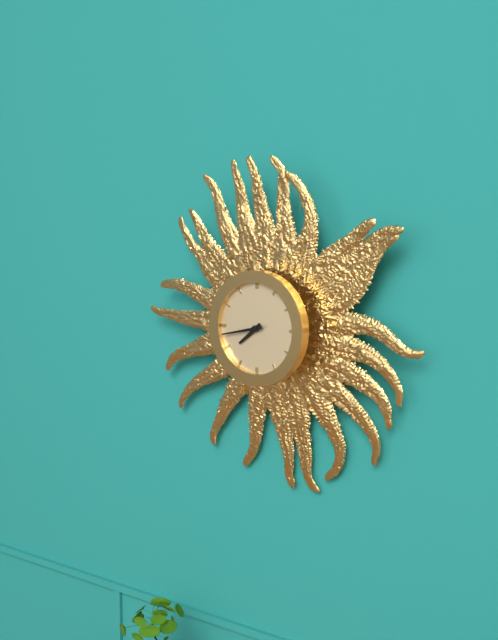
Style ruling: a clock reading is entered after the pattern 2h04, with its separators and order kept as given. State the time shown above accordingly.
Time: 7h43
